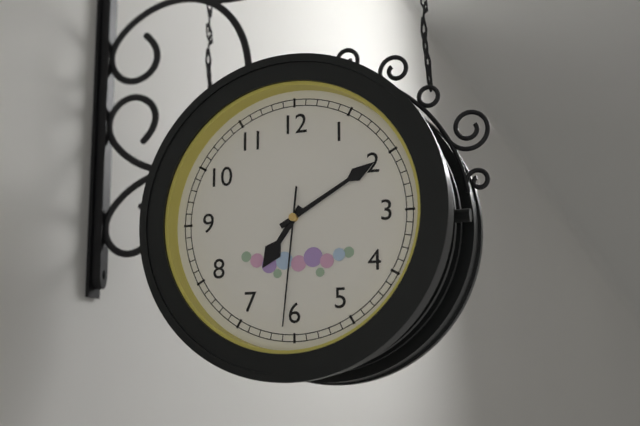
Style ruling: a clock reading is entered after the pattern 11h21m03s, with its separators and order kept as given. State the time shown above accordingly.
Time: 7h10m31s
